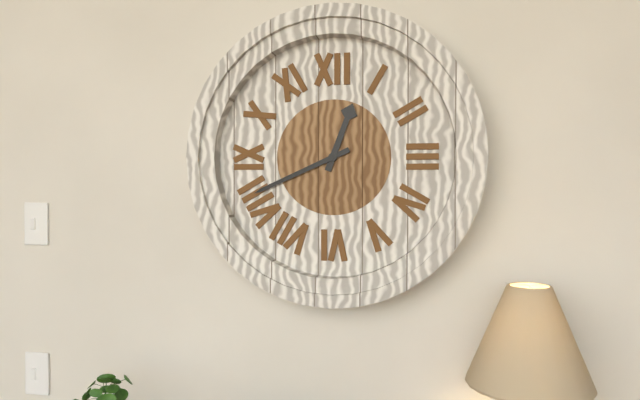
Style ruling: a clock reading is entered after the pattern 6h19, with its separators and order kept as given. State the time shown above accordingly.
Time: 12h41
